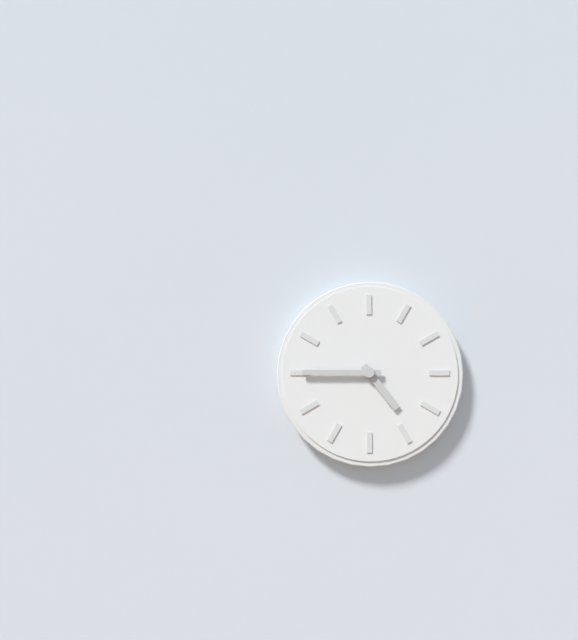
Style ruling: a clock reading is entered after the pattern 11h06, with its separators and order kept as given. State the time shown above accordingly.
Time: 4h45
